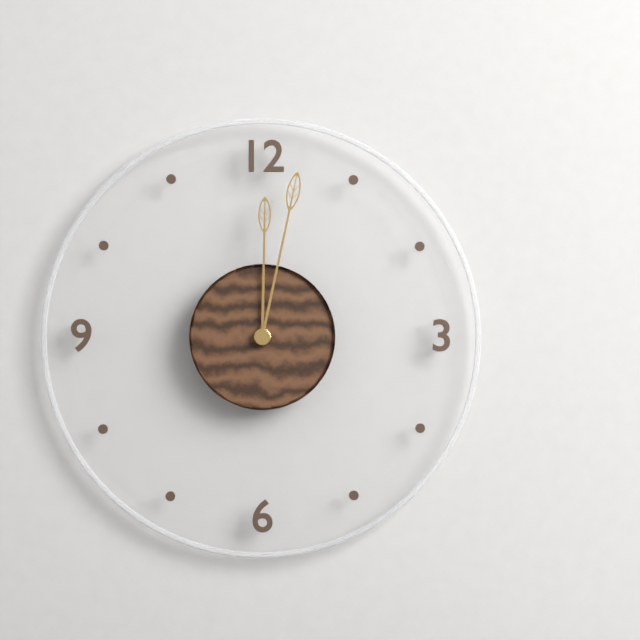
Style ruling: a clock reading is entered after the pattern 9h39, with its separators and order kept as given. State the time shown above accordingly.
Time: 12h02
